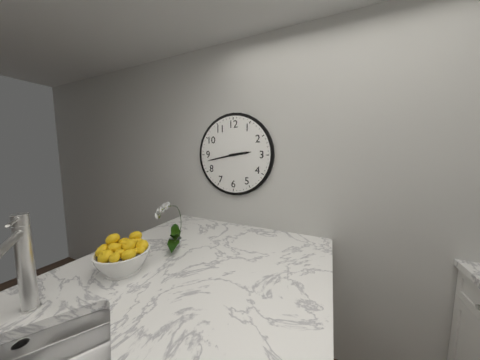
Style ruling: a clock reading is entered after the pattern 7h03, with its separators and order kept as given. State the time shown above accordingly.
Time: 2h43
